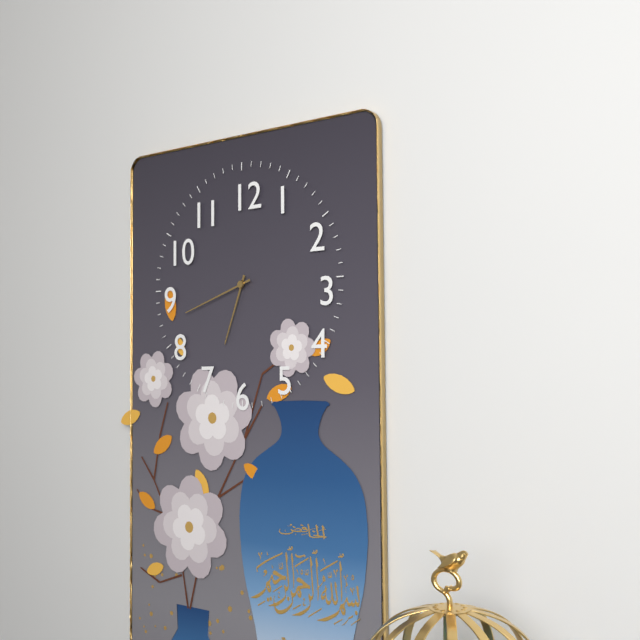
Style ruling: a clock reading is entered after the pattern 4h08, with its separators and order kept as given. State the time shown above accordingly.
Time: 6h42
